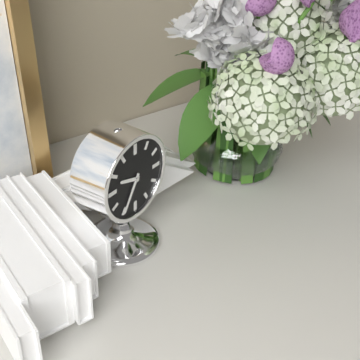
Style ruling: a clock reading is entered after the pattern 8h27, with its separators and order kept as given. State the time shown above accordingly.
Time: 9h35
